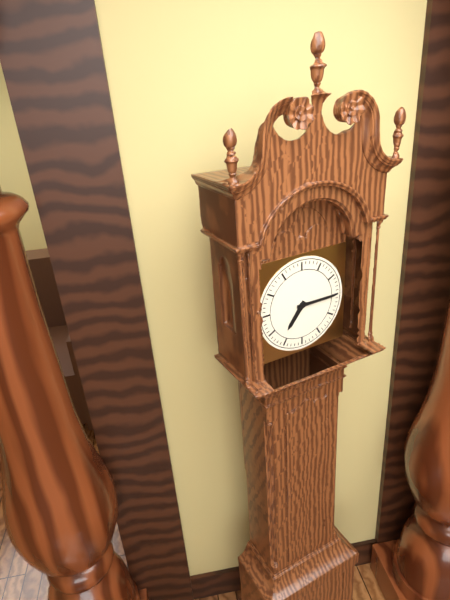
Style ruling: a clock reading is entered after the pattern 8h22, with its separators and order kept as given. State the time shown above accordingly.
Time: 7h15
